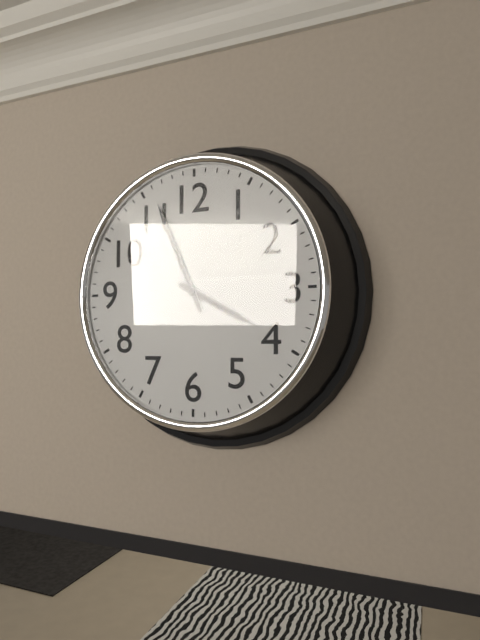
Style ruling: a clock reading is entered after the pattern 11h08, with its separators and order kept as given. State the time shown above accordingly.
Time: 3h56
